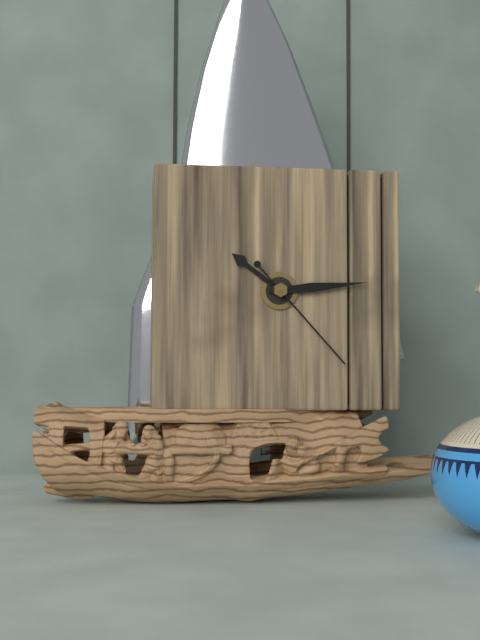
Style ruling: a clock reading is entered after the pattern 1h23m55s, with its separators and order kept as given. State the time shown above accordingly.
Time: 10h14m23s
